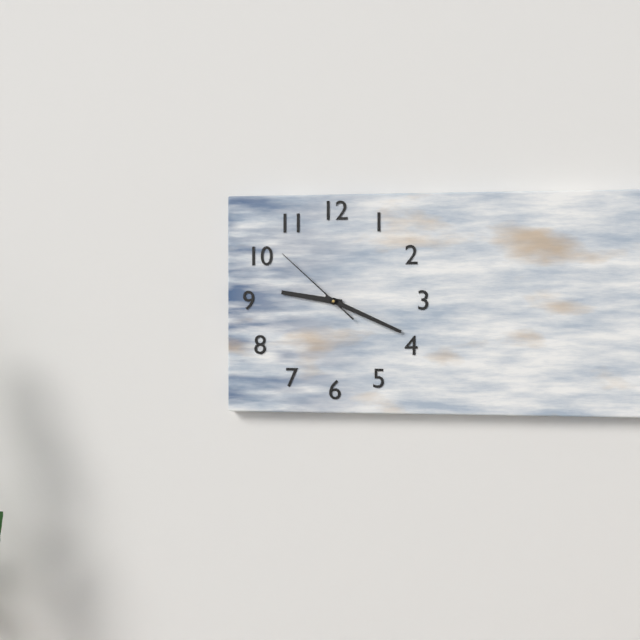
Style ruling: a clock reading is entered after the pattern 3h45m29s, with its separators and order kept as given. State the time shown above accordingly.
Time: 9h19m52s
